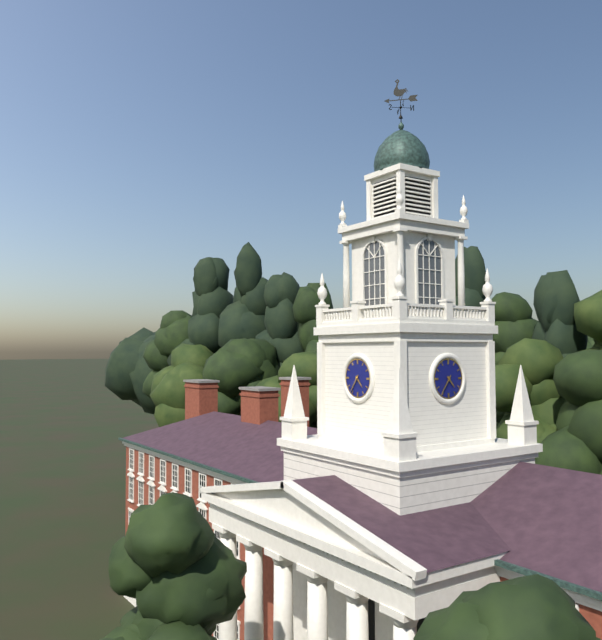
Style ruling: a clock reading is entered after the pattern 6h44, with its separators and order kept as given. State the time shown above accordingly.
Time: 4h36
